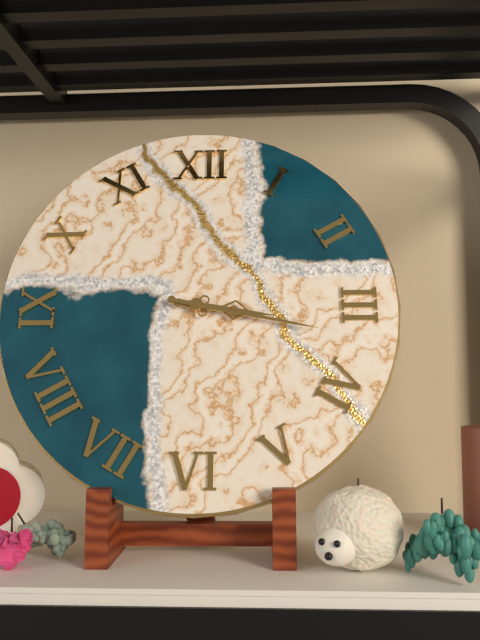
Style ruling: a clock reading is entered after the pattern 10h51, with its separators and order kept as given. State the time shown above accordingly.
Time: 3h17
